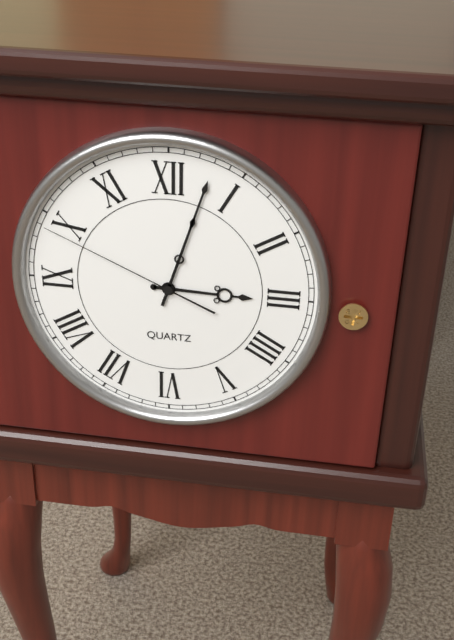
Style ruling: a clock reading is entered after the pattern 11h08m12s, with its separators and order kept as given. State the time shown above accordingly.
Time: 3h03m49s
